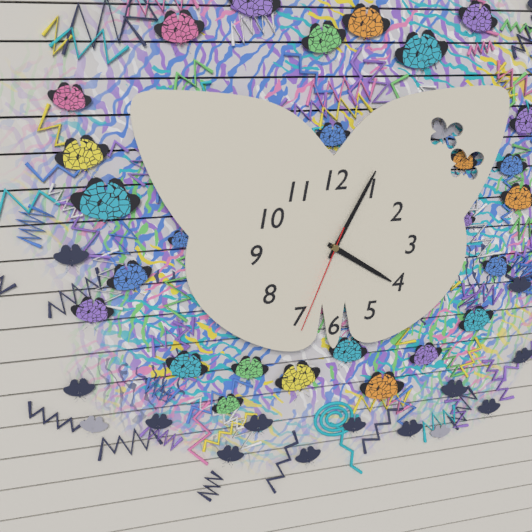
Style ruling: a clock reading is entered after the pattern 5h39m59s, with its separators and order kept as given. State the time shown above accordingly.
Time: 4h05m34s
